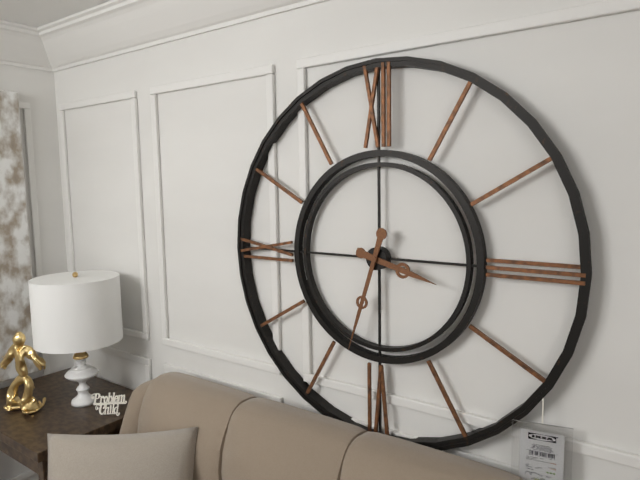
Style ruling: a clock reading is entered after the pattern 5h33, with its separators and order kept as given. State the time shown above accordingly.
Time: 3h33
